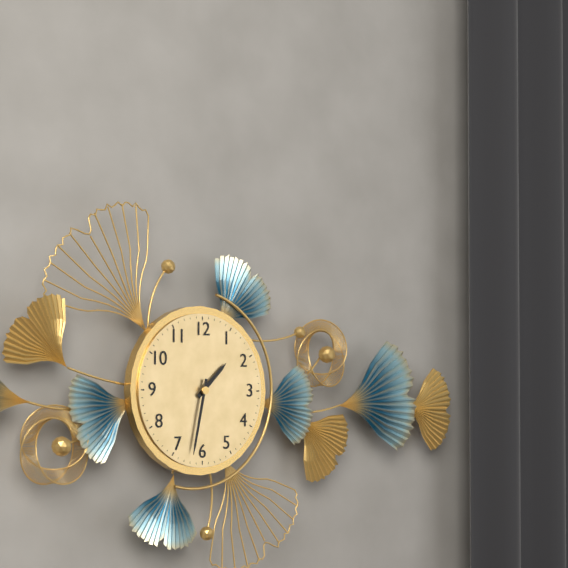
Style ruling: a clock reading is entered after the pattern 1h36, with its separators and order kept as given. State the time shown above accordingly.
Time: 1h32
